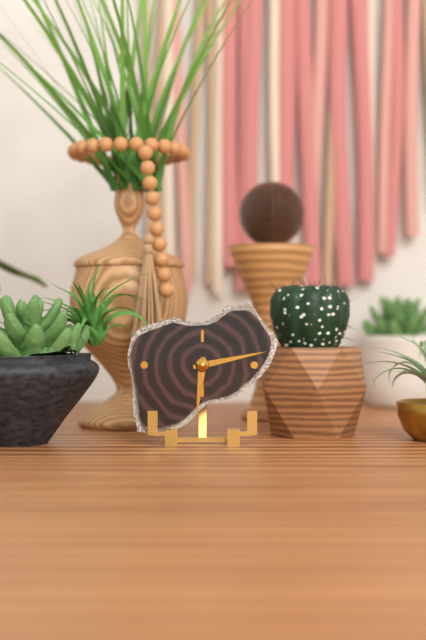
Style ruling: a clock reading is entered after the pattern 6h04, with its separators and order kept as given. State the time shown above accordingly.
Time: 6h13
